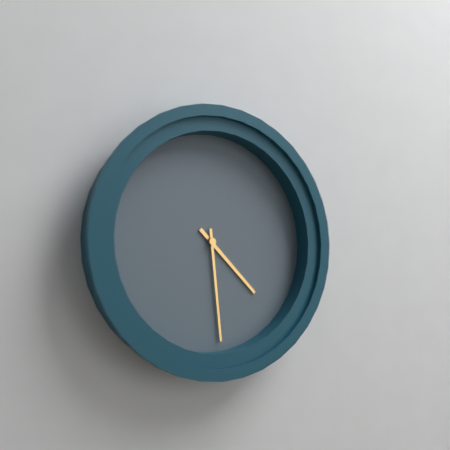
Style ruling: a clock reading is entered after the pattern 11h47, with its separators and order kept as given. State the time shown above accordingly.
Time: 4h29
